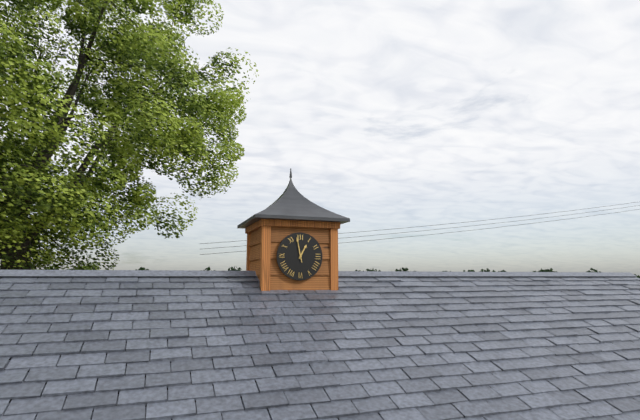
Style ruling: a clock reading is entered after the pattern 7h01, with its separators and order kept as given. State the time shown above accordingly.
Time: 12h58
